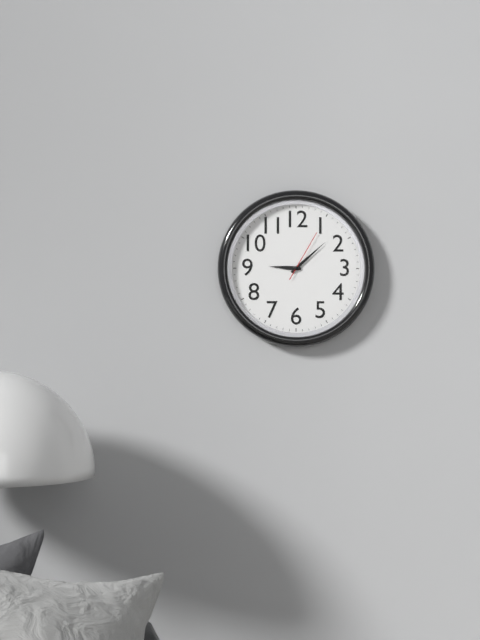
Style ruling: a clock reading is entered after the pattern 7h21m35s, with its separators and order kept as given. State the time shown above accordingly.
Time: 9h08m05s
